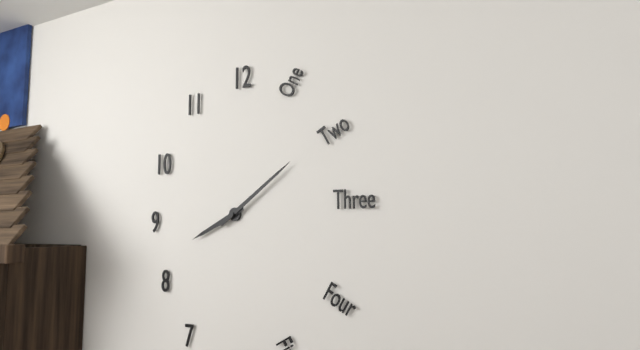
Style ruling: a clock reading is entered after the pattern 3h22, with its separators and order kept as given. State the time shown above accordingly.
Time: 8h09
